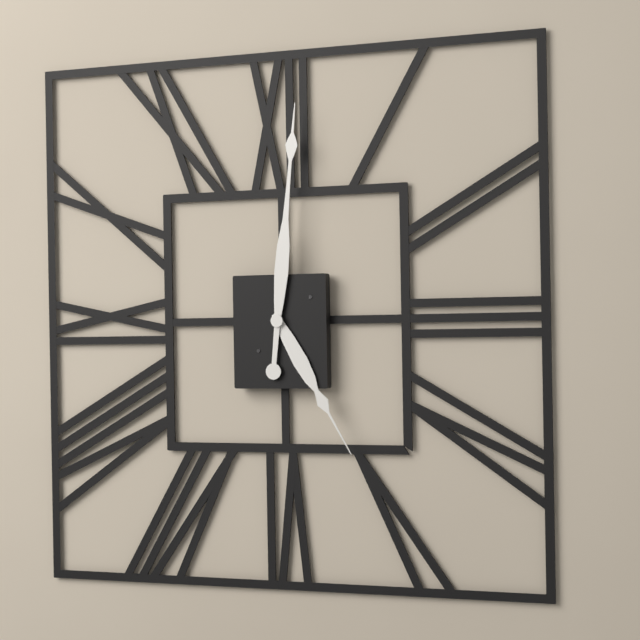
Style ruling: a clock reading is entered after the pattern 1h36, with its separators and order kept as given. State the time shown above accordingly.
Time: 5h01
